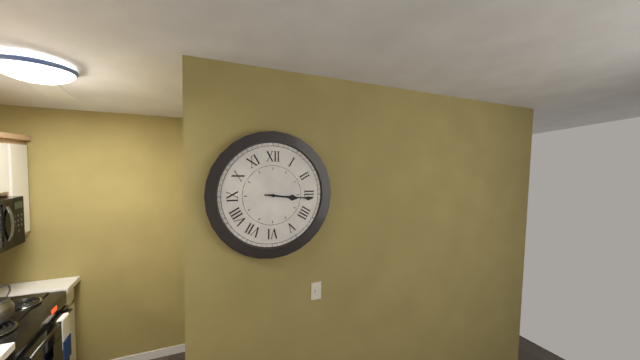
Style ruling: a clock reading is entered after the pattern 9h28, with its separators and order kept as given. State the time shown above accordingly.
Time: 3h16
